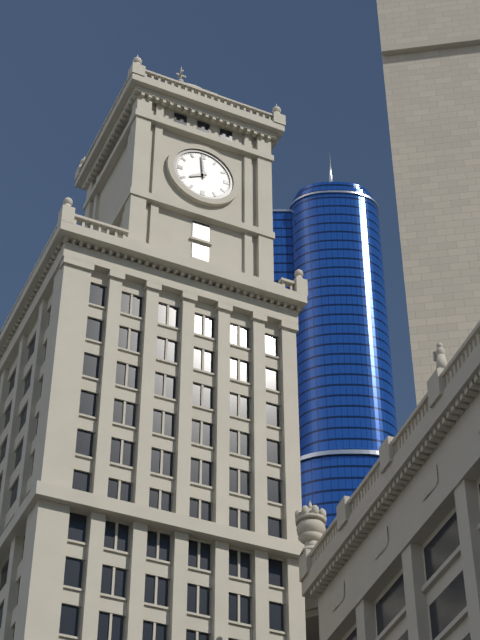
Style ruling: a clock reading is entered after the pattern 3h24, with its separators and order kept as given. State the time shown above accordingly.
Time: 7h59
